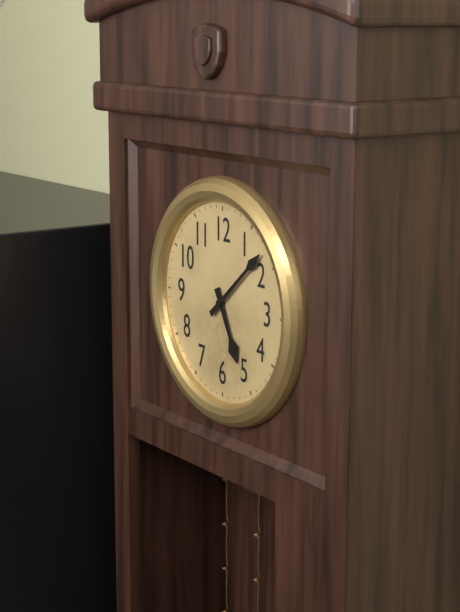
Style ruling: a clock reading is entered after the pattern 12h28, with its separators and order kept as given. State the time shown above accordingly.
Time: 5h08
